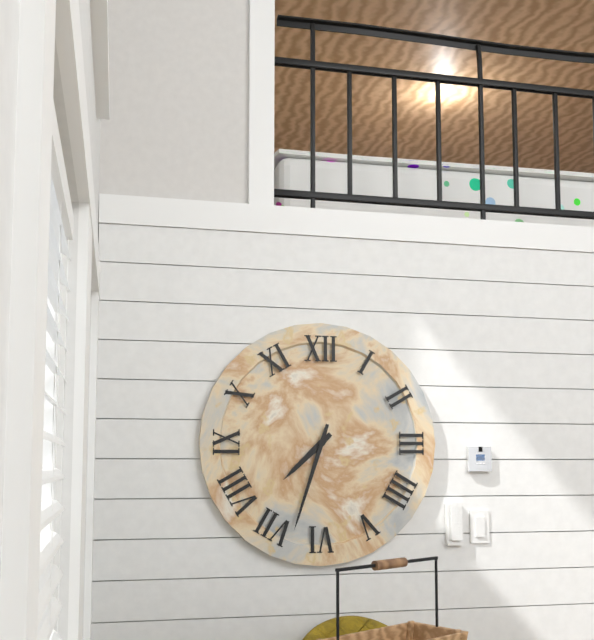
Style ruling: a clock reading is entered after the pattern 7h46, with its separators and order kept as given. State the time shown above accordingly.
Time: 7h33
